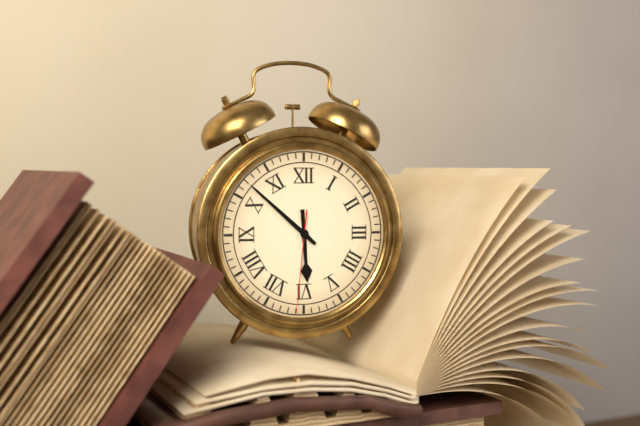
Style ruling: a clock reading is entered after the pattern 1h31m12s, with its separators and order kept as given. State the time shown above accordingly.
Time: 5h52m31s
